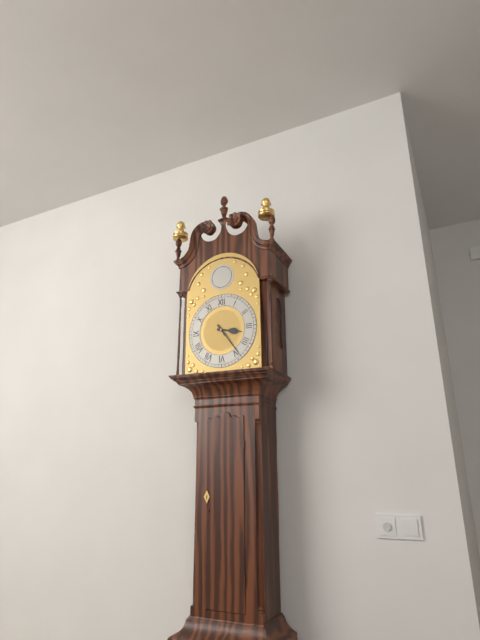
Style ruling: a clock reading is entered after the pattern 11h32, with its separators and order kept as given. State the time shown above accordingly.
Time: 3h24
